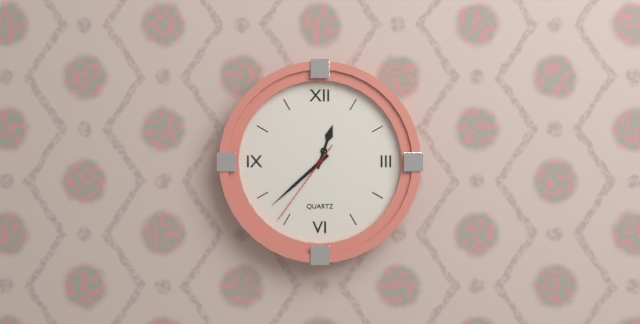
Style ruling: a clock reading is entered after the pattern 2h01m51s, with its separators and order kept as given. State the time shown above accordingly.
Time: 12h38m36s
